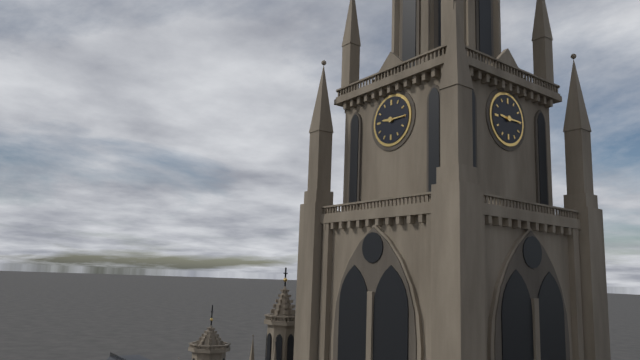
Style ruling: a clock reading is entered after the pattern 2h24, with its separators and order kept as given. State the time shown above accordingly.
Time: 9h15
